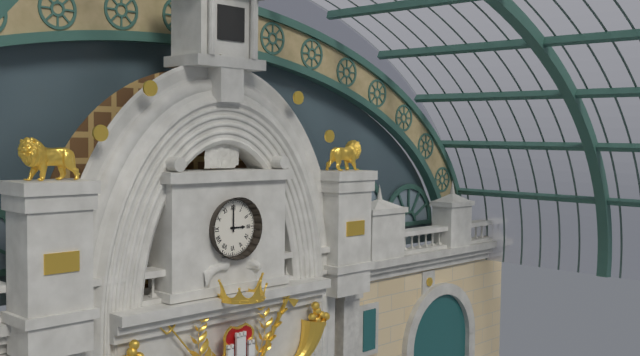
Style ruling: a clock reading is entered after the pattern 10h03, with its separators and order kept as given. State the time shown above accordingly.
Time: 3h00
